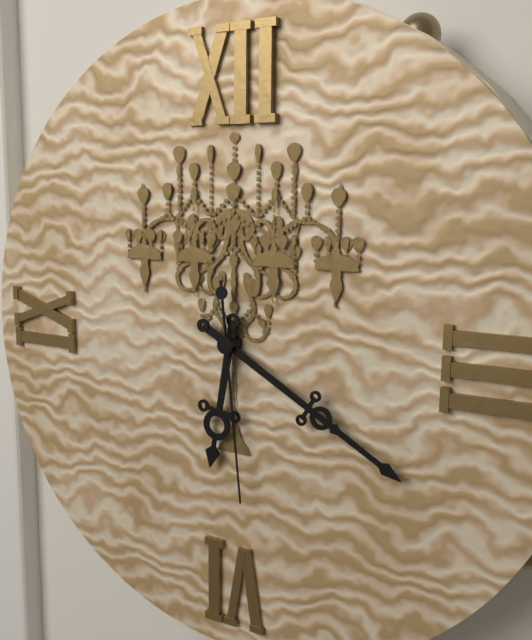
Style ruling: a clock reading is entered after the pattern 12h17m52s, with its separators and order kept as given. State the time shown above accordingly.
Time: 6h20m29s
